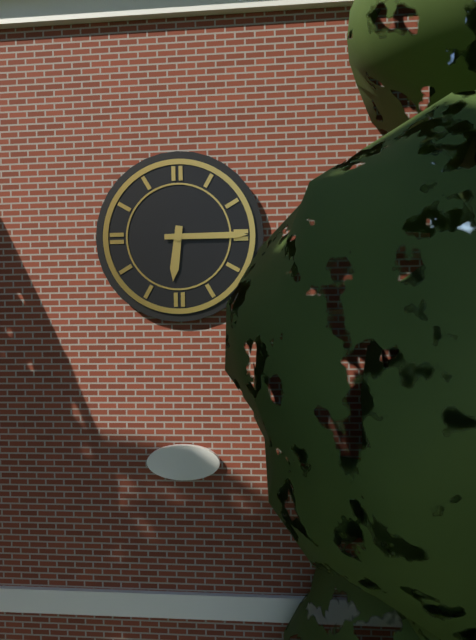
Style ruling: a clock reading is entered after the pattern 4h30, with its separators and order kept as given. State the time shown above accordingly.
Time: 6h15
